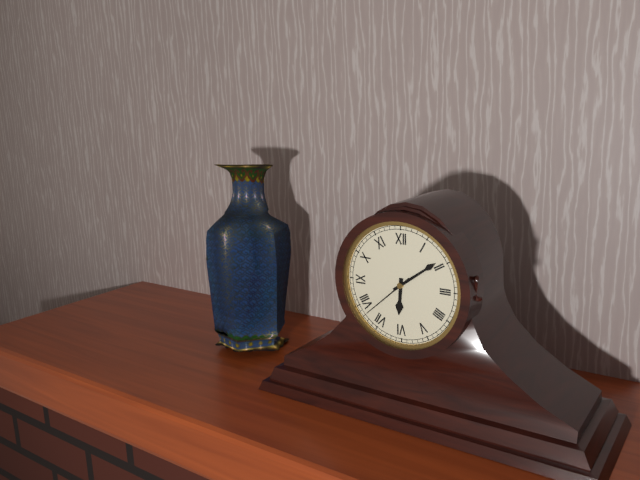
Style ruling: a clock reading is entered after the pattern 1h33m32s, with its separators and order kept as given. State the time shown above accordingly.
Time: 6h09m38s
